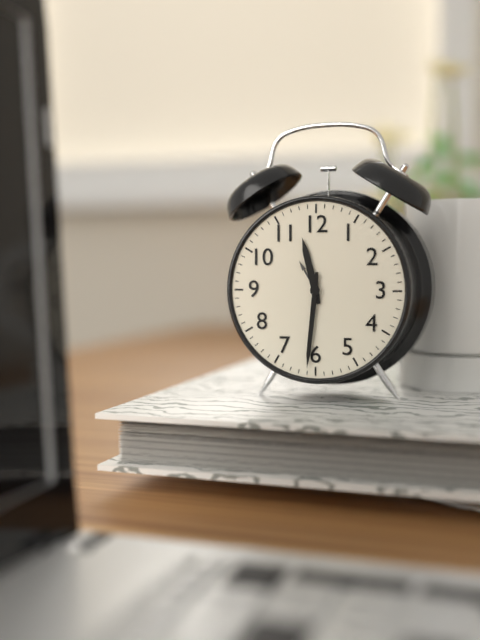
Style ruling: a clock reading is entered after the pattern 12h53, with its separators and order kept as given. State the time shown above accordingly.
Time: 11h31
